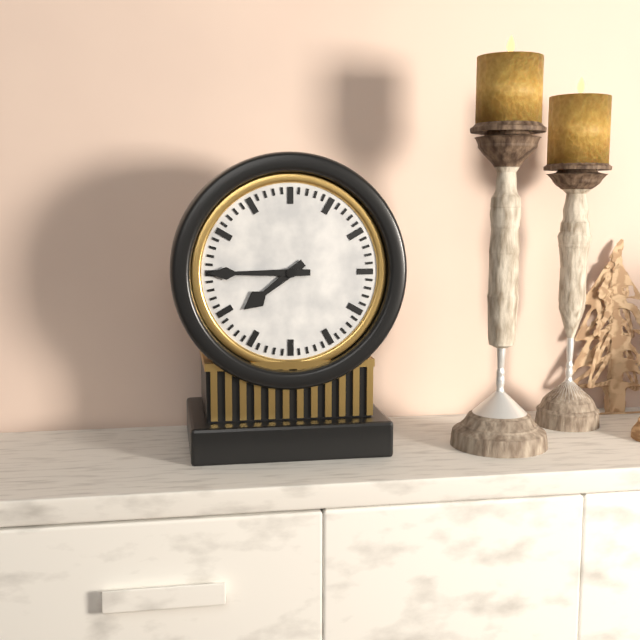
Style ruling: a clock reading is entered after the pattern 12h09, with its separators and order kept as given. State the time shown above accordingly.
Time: 7h45
